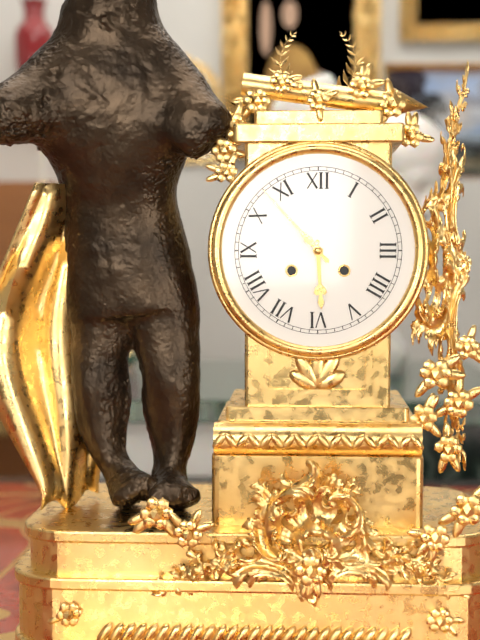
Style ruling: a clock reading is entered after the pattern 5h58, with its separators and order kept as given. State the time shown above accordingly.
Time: 5h53
